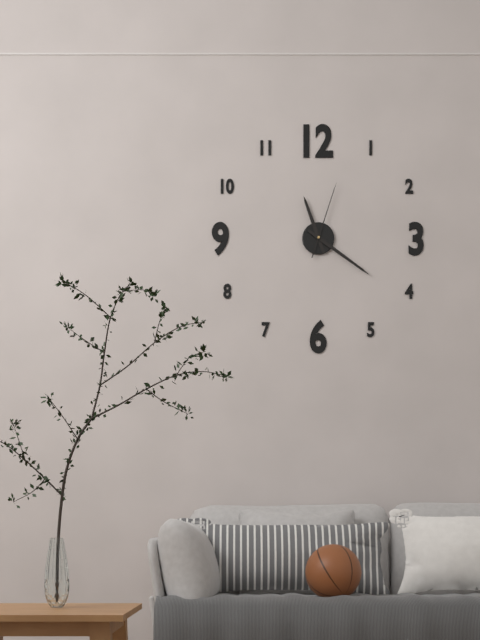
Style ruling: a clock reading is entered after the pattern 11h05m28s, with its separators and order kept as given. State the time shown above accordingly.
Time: 11h21m03s
